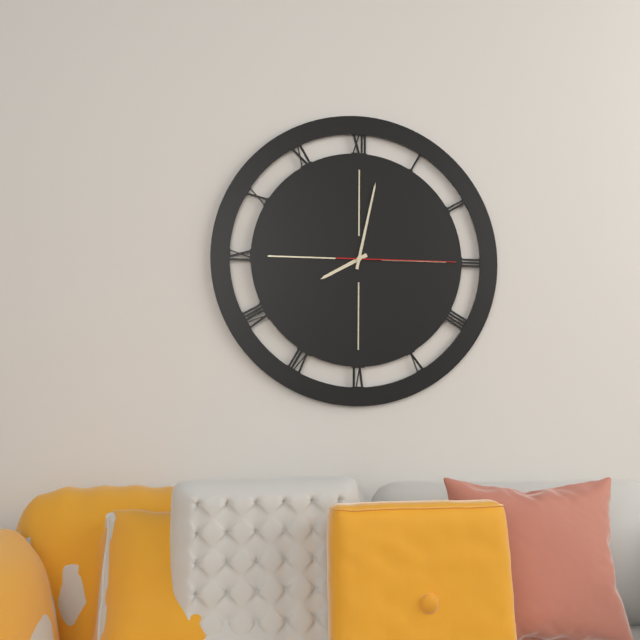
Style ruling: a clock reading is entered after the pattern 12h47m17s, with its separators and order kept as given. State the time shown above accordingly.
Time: 8h02m15s
